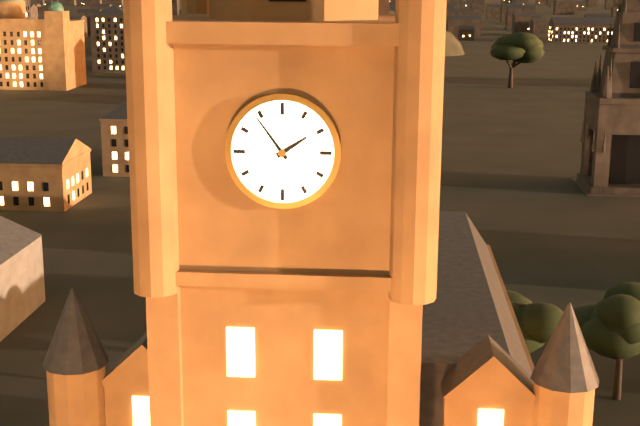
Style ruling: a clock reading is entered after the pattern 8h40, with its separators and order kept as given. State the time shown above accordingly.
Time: 1h54
